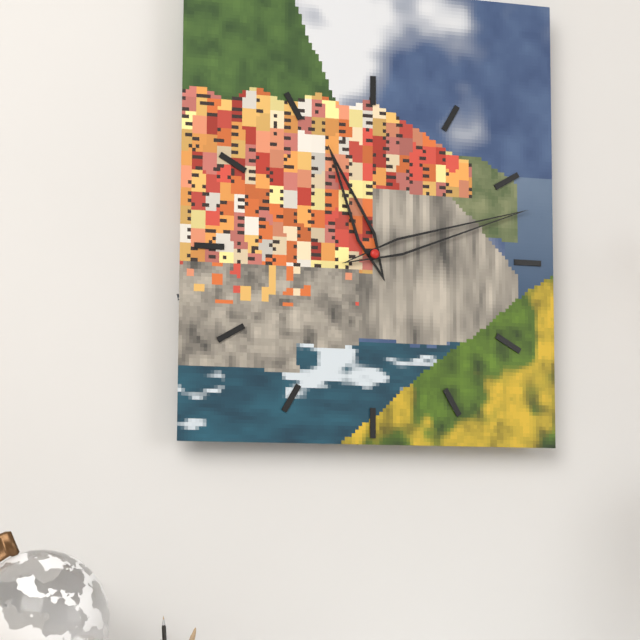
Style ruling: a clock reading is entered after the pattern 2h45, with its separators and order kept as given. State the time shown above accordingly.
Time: 11h12
